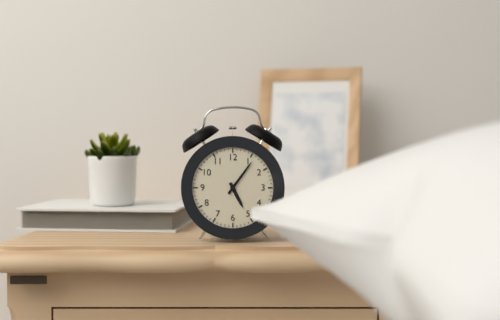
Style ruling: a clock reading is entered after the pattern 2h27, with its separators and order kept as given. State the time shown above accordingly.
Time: 5h06
